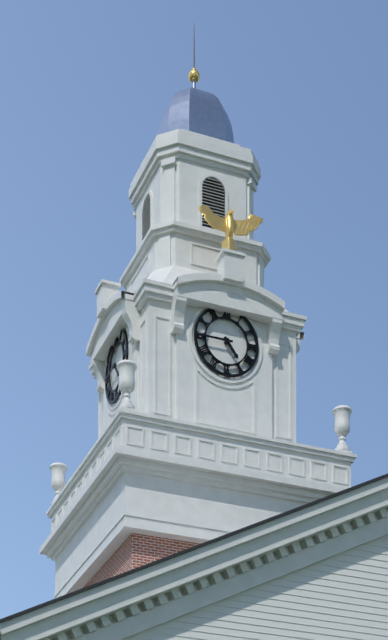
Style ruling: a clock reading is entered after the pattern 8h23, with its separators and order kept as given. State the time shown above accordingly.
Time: 4h45
